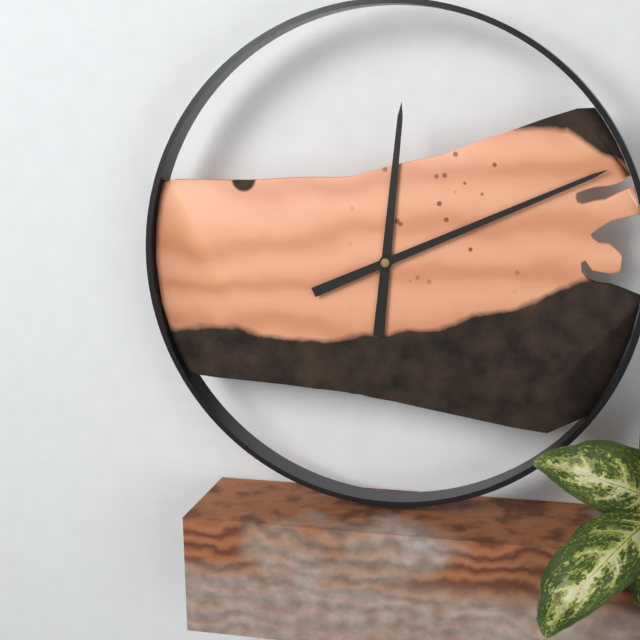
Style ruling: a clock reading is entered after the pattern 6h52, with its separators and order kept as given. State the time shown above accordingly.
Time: 12h11
